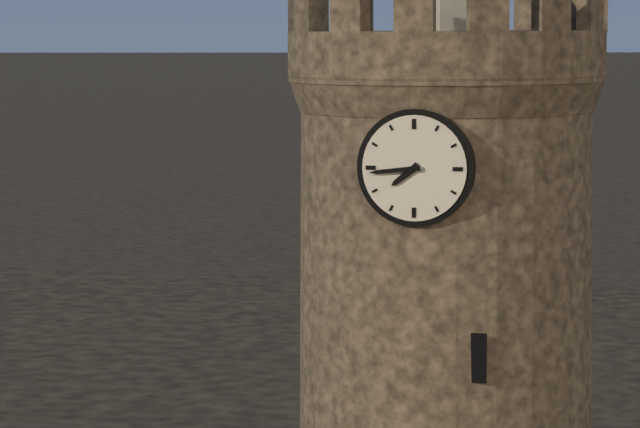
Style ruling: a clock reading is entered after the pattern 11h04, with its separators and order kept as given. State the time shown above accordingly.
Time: 7h44
